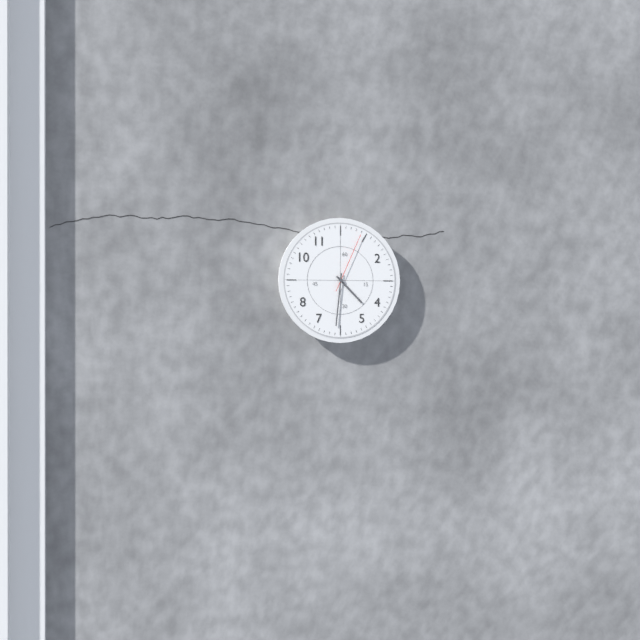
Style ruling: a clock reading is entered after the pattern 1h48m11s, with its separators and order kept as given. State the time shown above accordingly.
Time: 4h31m04s
